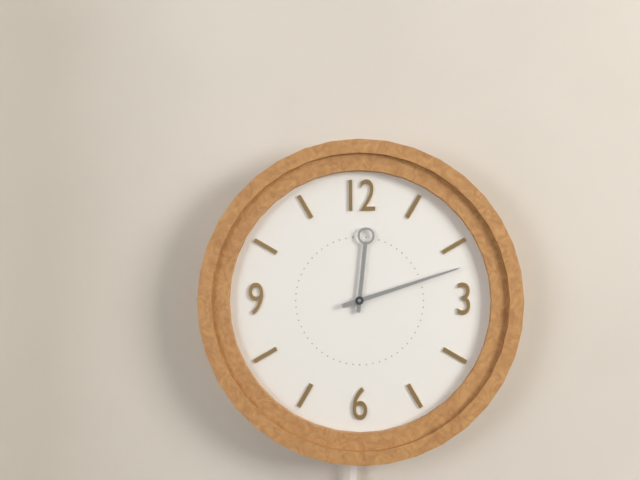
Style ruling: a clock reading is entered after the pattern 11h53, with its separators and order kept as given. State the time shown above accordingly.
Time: 12h12
